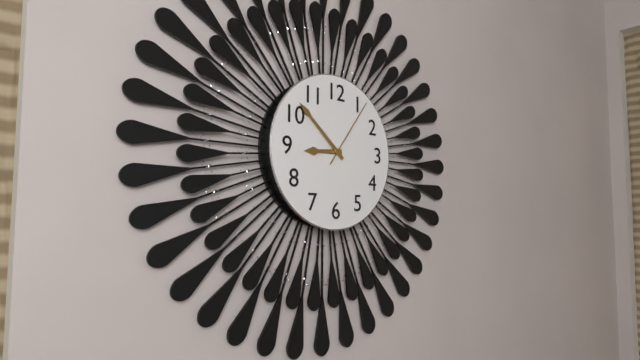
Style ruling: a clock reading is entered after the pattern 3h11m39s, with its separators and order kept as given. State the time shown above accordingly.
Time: 8h52m06s
